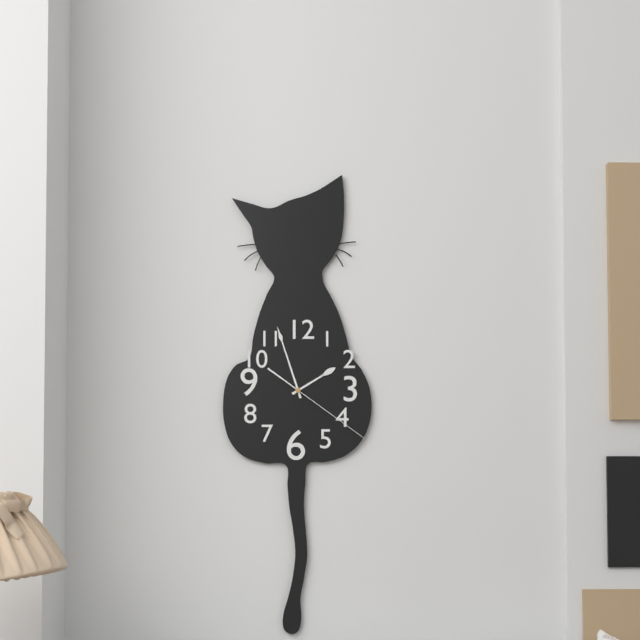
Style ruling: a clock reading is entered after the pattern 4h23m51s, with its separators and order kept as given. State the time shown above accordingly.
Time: 1h57m21s
